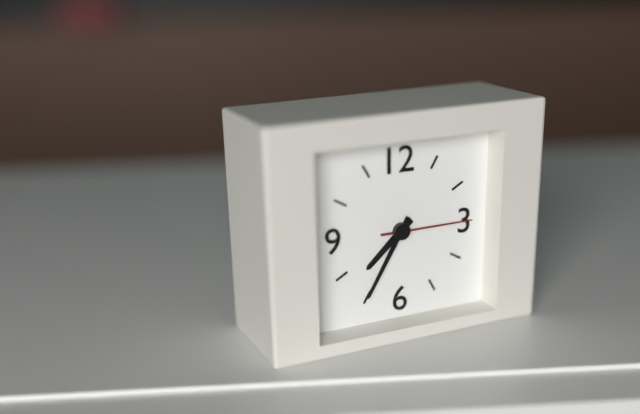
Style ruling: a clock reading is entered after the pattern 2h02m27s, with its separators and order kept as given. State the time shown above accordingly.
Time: 7h35m15s
